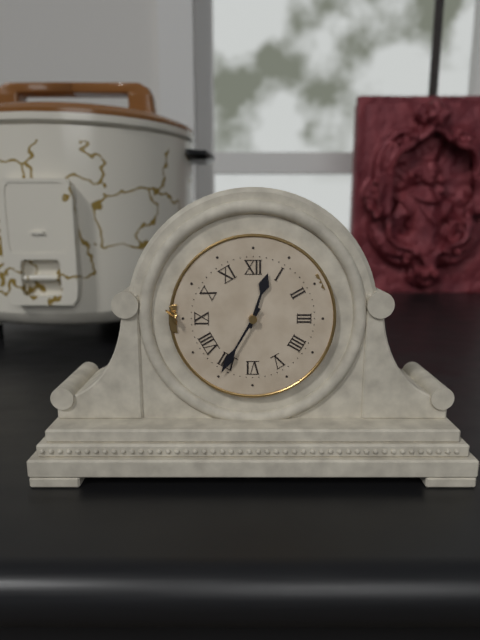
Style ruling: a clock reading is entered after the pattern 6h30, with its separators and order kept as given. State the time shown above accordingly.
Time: 12h35
